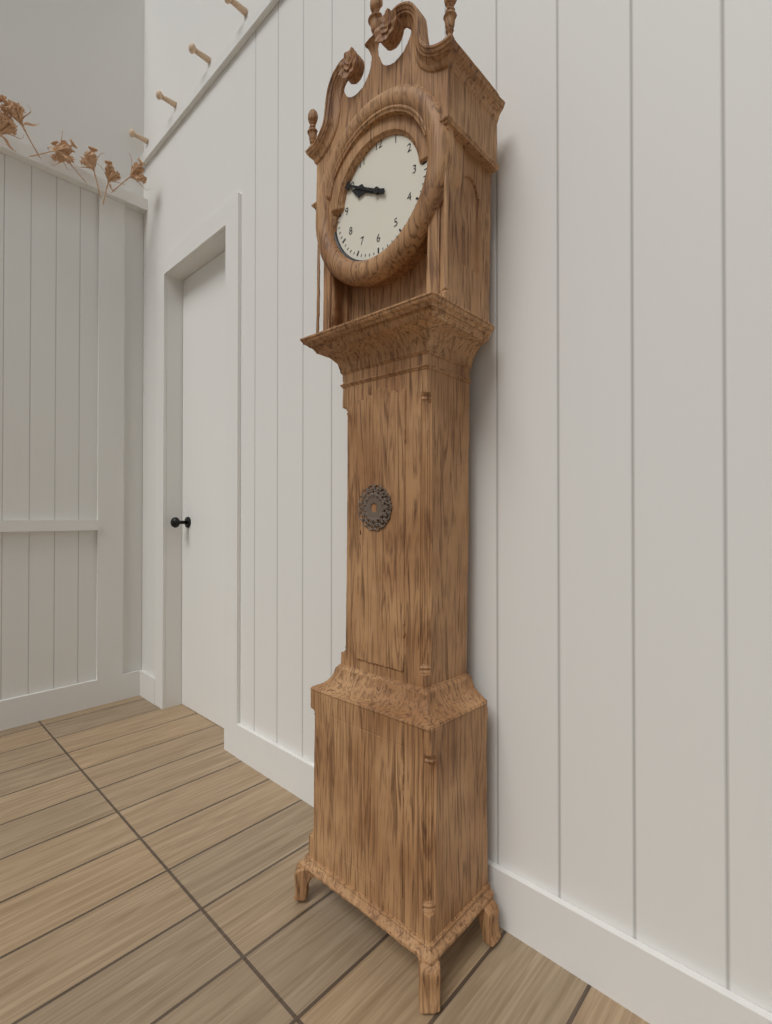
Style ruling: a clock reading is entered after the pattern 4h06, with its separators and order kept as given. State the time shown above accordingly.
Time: 9h50
